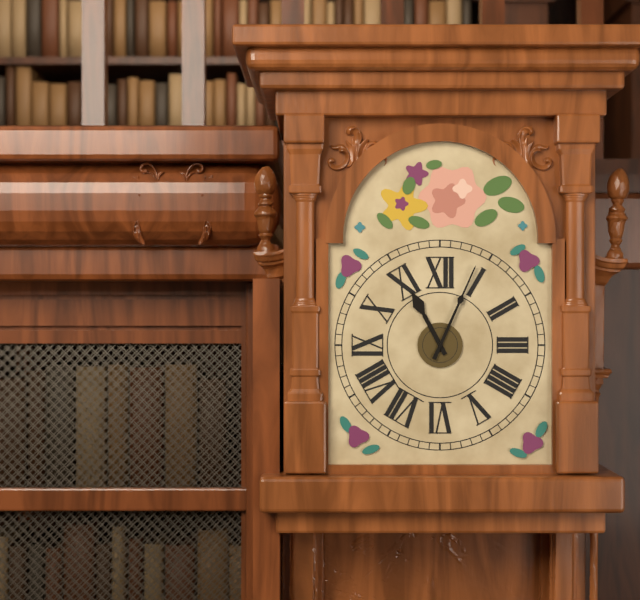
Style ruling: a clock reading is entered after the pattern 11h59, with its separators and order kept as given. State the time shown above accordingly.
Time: 11h04
